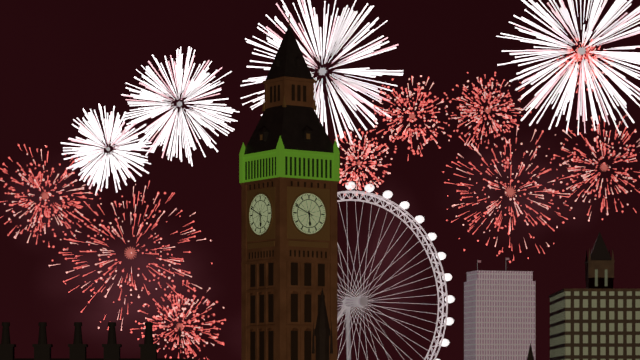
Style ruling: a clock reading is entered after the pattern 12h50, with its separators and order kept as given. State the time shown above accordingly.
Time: 5h49
